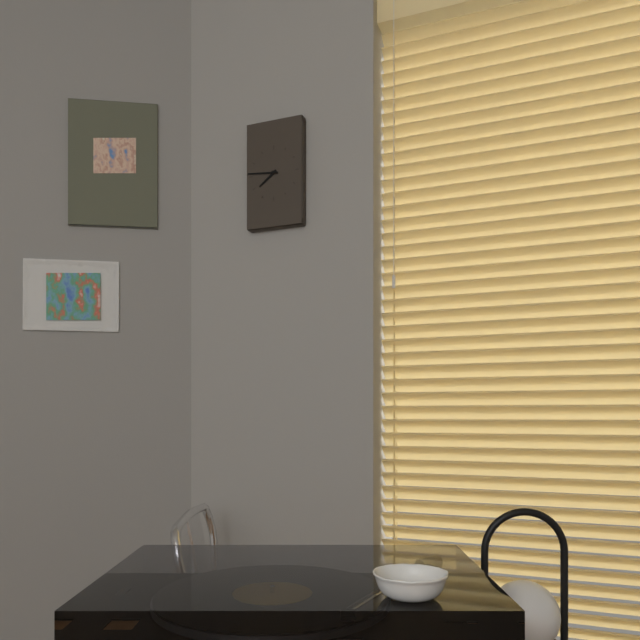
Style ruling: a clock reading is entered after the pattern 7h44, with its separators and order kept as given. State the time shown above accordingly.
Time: 7h46
